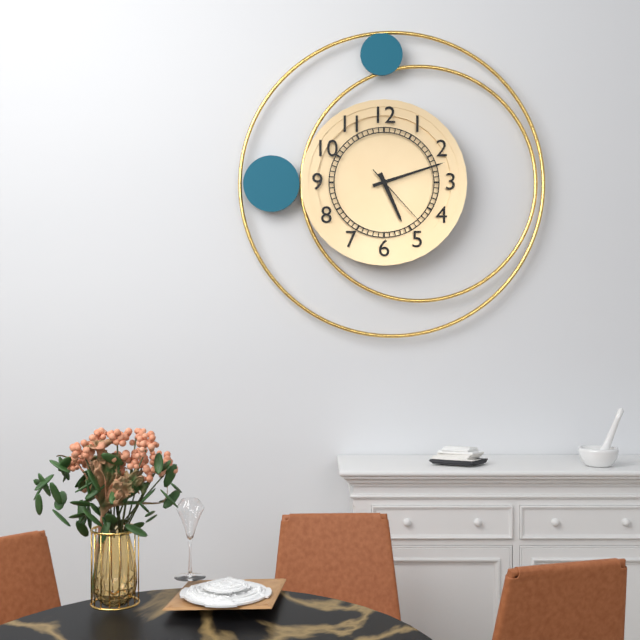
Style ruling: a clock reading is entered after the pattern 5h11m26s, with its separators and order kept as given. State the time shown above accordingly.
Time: 5h12m23s
